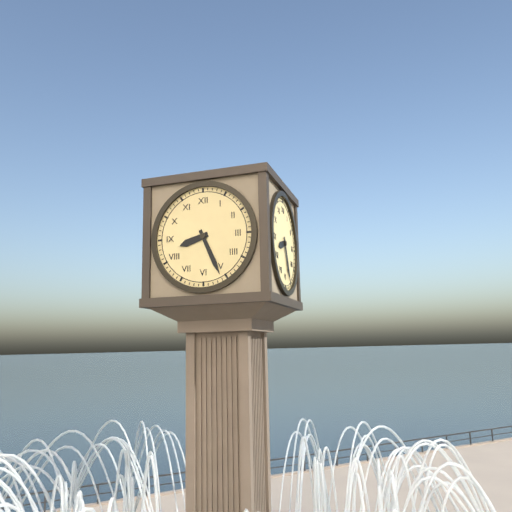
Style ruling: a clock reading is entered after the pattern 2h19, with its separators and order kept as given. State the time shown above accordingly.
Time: 8h26
